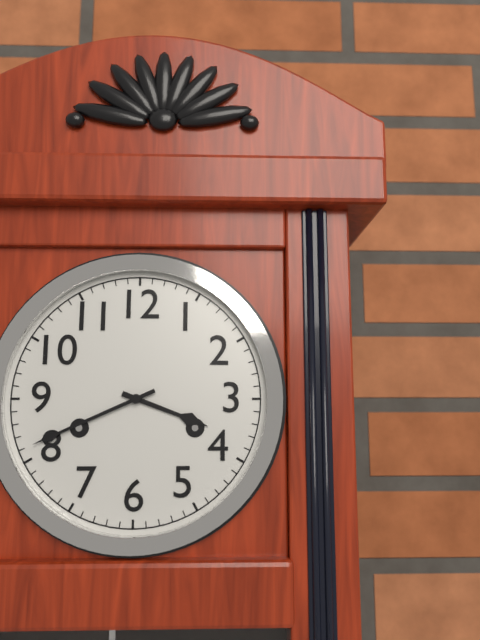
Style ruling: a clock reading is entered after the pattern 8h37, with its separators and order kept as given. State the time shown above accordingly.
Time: 3h41
